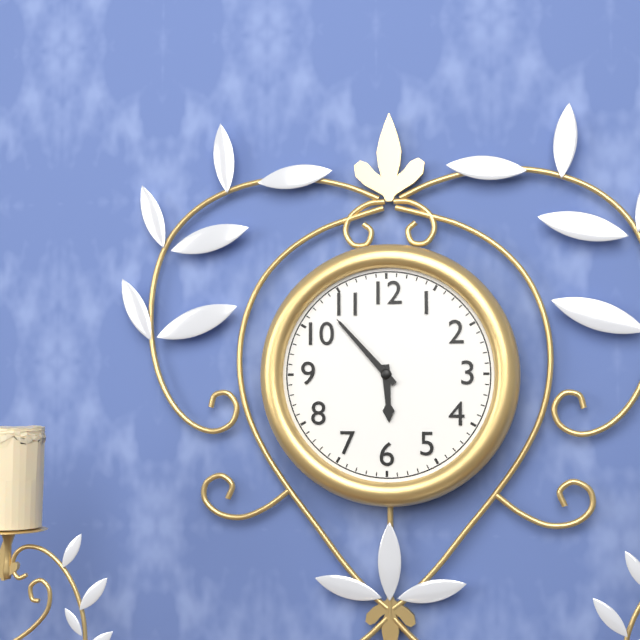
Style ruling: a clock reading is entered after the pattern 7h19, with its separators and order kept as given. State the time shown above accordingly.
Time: 5h53
